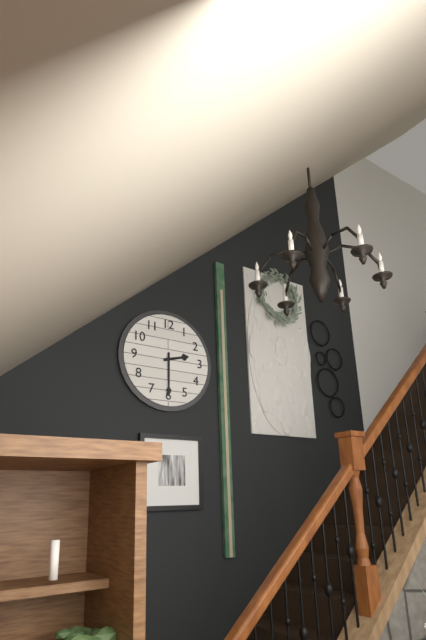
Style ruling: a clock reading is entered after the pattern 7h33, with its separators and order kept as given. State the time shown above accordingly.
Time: 2h30
